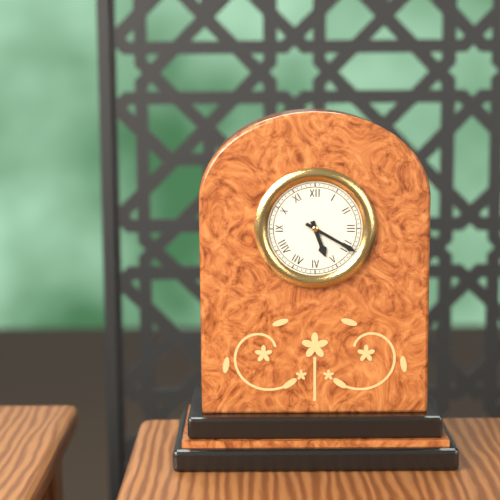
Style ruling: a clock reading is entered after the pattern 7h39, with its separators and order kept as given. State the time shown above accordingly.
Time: 5h20
